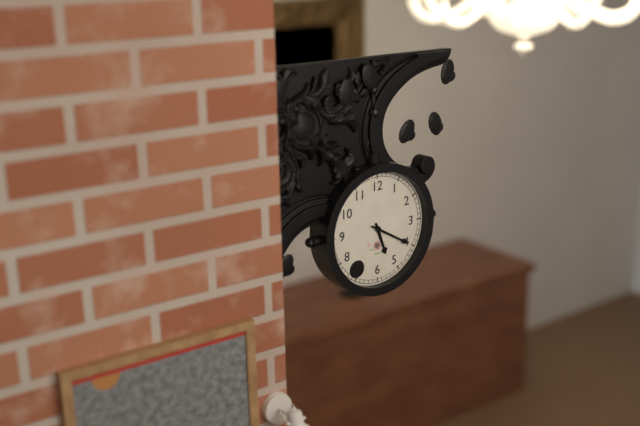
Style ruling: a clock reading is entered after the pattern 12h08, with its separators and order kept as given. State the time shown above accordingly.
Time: 5h20
